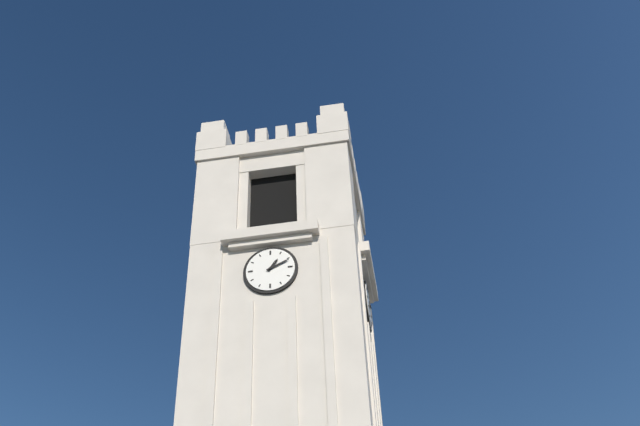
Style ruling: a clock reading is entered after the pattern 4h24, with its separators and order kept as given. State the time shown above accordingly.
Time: 1h11
